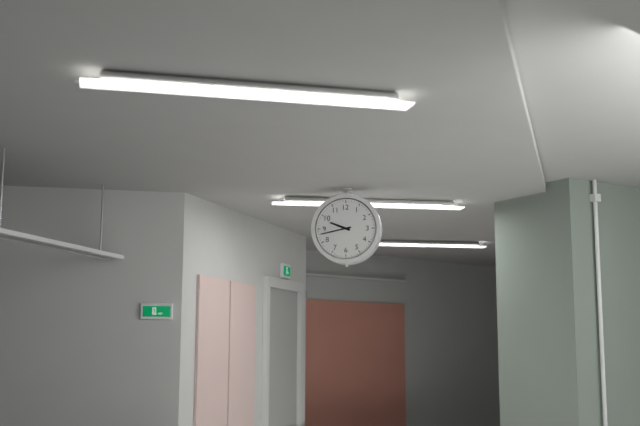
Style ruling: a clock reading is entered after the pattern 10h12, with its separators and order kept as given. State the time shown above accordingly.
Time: 9h43
